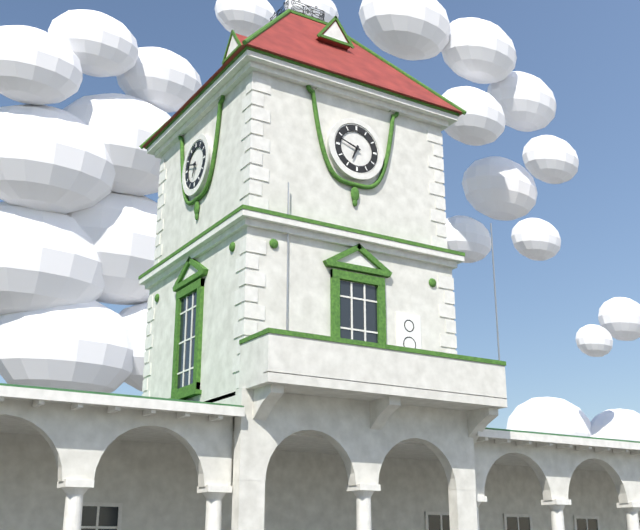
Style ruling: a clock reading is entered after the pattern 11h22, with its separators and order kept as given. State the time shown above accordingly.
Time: 6h48
